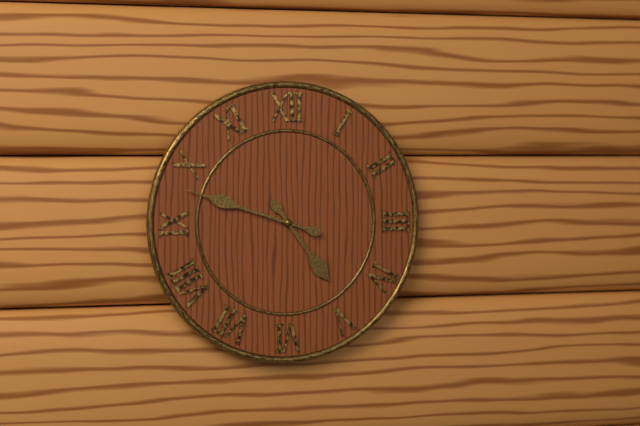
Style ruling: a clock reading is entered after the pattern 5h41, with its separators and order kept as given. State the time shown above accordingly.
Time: 4h48
